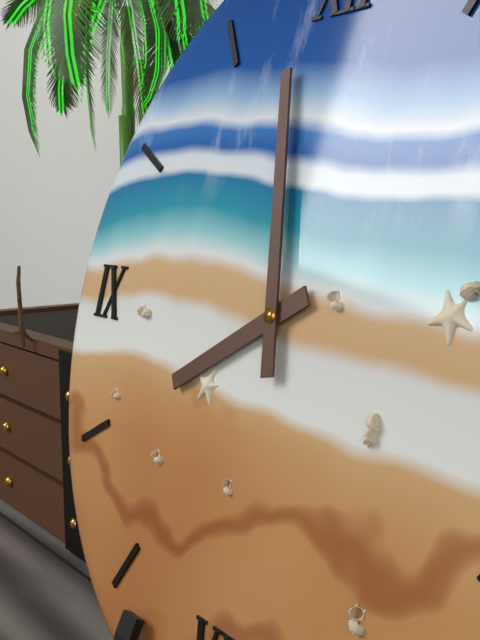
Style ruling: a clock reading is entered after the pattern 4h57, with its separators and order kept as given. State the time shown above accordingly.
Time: 7h58
